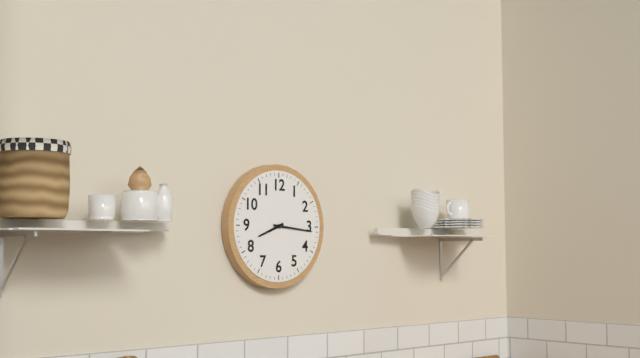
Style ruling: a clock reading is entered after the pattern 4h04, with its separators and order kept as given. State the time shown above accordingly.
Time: 8h16
